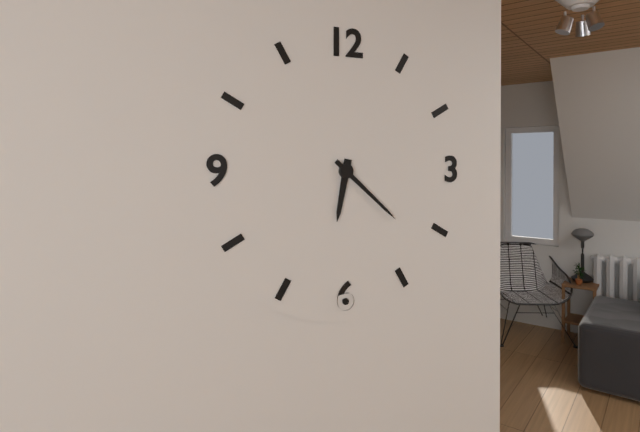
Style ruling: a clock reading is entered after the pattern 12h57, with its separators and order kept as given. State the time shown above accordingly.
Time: 6h22
